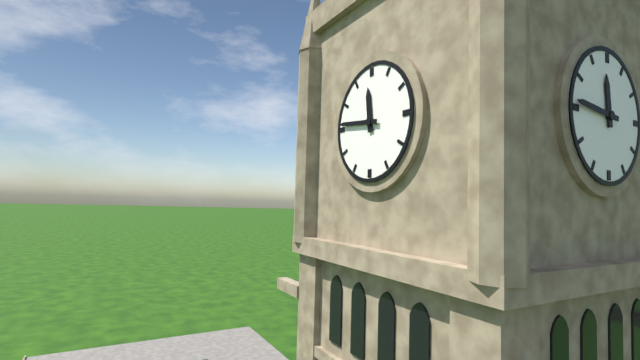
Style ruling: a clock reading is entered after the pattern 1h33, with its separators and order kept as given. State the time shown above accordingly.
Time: 11h46
